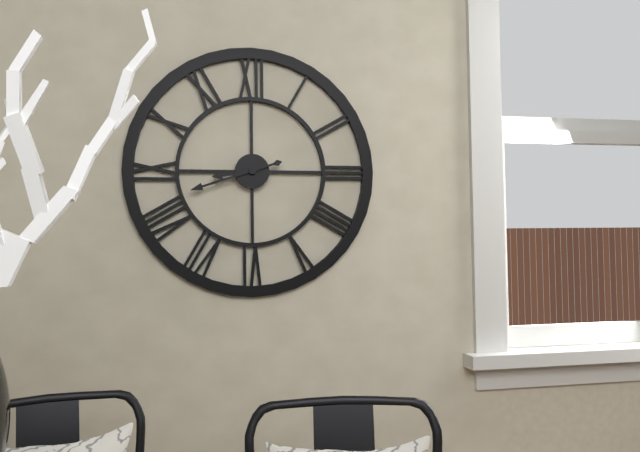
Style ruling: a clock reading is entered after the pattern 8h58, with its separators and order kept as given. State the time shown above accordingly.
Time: 8h42
